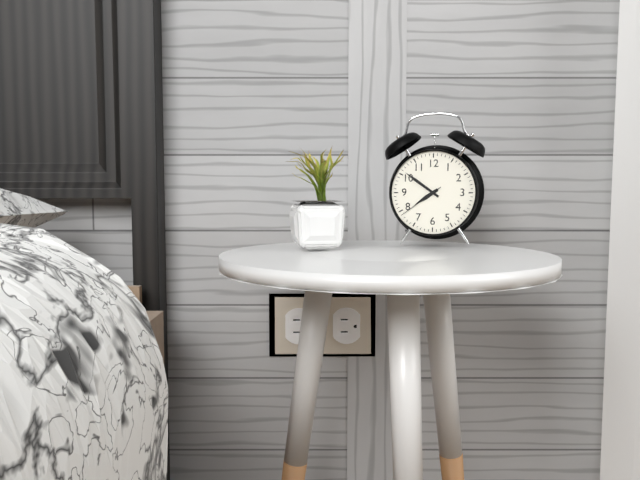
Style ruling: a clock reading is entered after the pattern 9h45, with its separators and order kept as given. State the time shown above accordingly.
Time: 7h51
